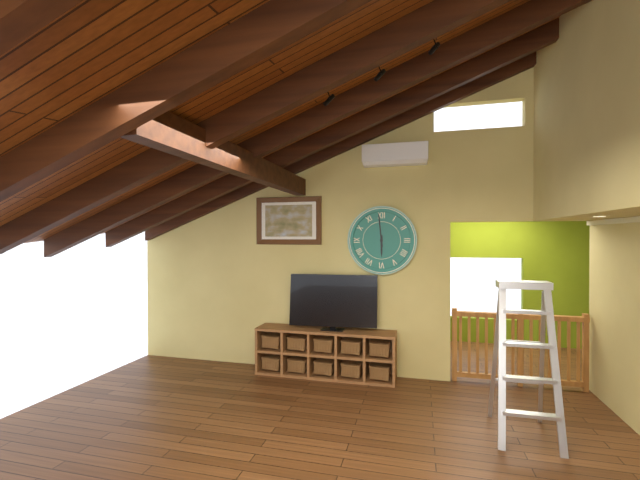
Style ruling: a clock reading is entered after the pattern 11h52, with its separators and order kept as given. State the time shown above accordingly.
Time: 5h59
